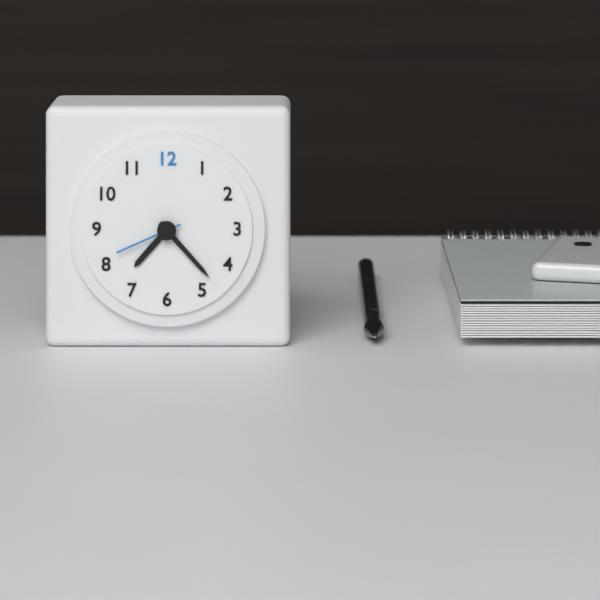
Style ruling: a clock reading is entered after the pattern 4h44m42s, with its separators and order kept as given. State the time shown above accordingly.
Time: 7h23m41s
